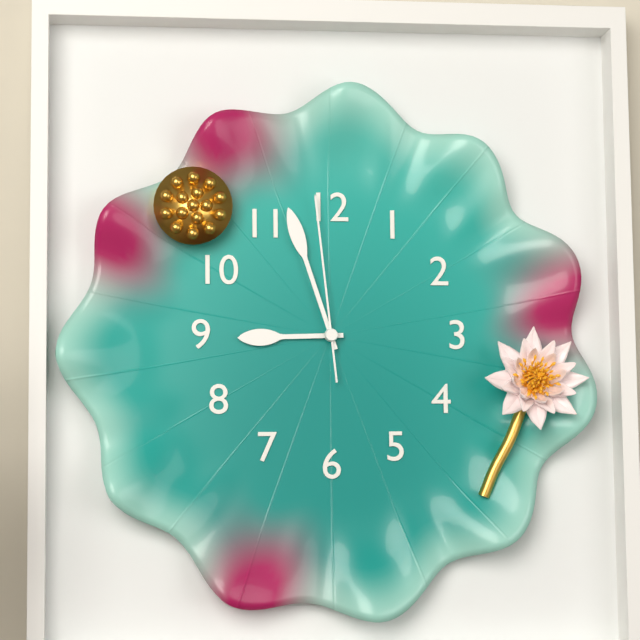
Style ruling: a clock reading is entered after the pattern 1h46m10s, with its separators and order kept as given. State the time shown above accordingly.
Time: 8h57m59s
